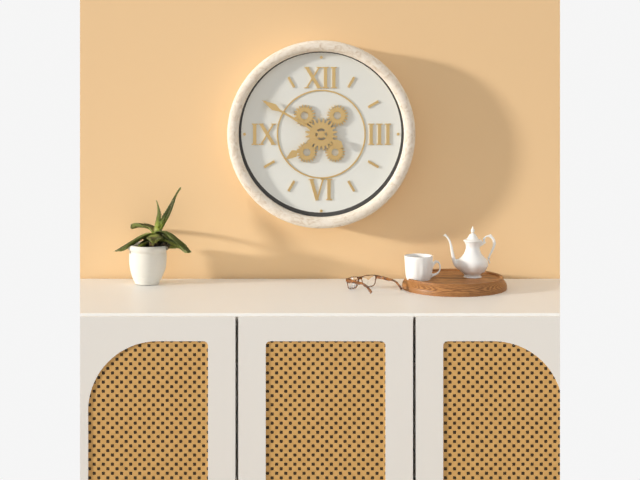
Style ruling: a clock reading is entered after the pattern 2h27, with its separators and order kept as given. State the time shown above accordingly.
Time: 7h50
